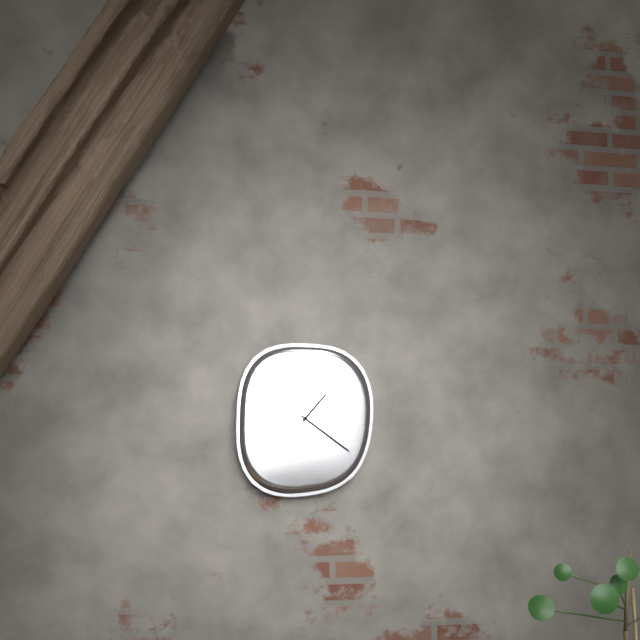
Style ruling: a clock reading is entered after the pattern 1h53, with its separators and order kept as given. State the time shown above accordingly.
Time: 1h21
